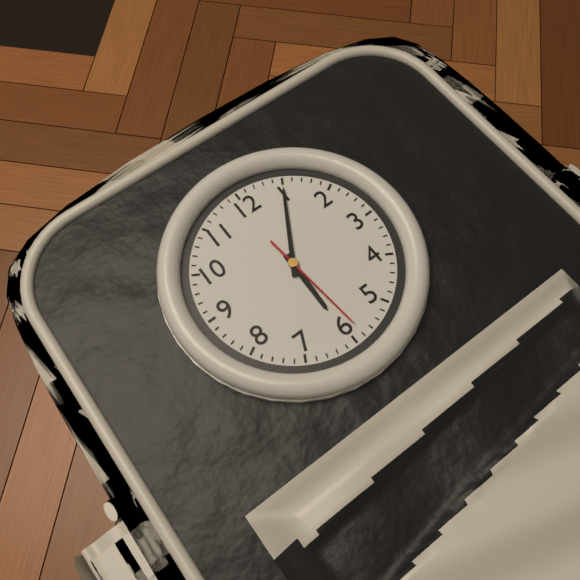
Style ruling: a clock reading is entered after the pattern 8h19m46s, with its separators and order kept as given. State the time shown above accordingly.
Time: 6h05m29s
